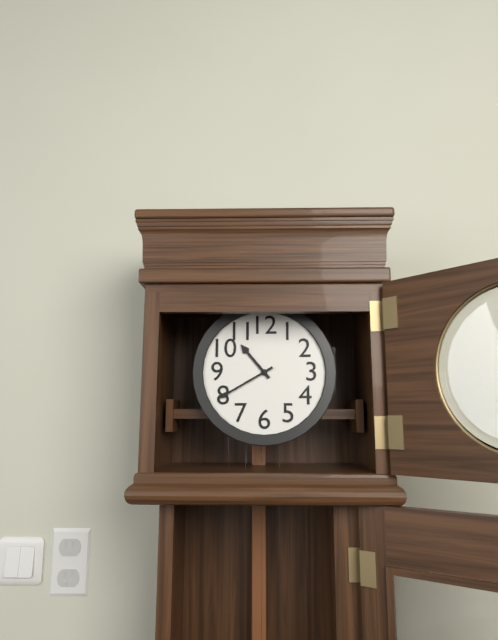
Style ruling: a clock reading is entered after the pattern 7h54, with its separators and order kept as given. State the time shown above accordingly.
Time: 10h40
